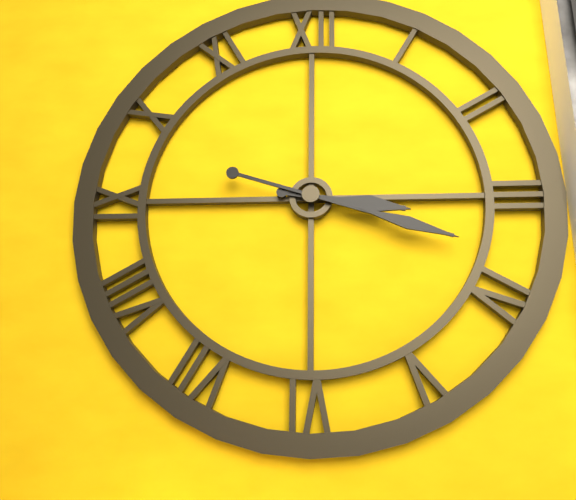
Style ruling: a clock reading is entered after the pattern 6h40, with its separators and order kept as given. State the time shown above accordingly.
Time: 3h18
